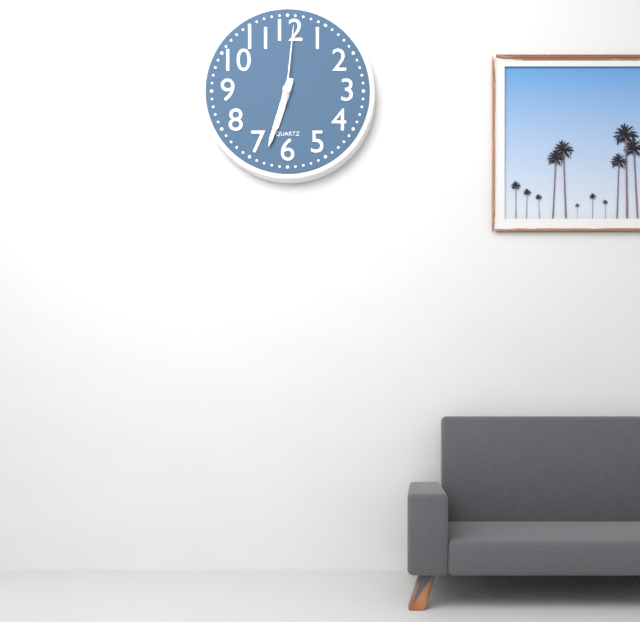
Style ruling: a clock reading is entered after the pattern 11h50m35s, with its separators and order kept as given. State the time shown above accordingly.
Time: 6h33m01s
